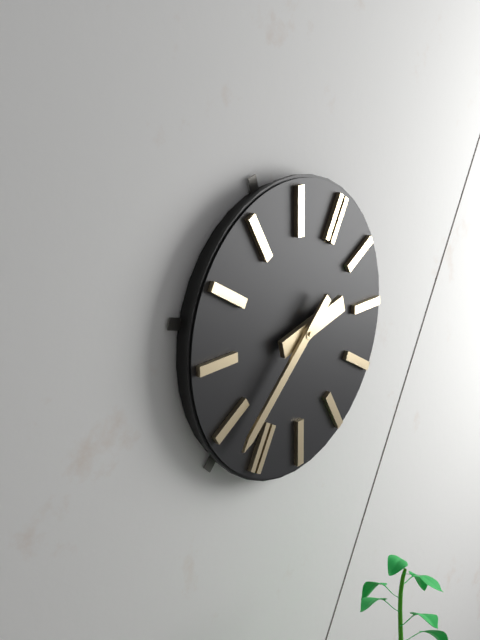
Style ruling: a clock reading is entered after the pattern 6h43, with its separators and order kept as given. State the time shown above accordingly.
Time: 1h33
